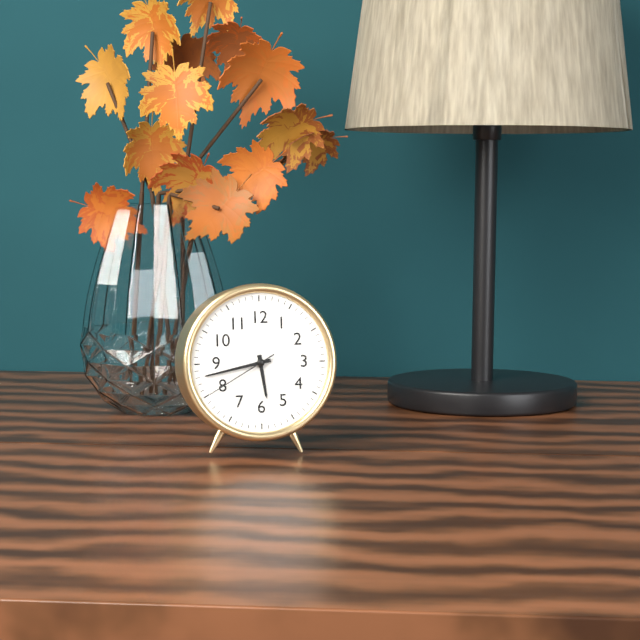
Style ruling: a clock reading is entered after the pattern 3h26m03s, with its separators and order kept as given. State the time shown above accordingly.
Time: 5h43m40s
